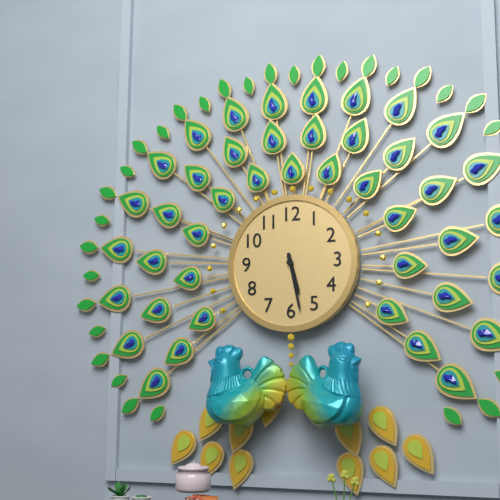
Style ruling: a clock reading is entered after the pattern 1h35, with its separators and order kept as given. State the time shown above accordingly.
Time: 5h28
